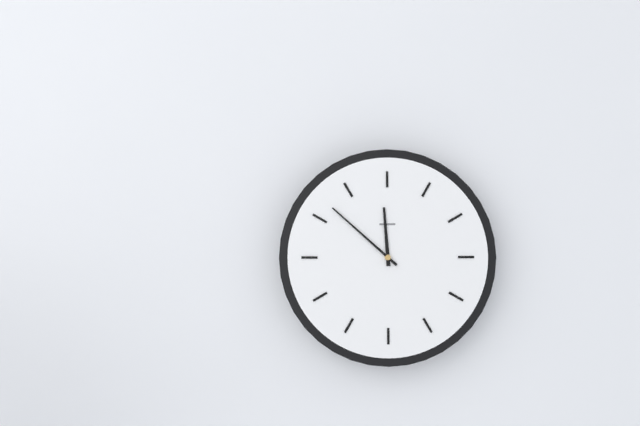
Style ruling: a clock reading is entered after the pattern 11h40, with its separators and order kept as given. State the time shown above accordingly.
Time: 11h52
